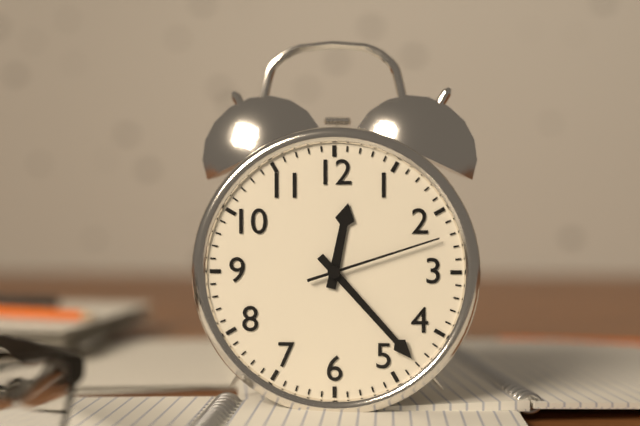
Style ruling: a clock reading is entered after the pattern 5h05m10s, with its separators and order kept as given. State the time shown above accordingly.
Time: 12h23m12s
